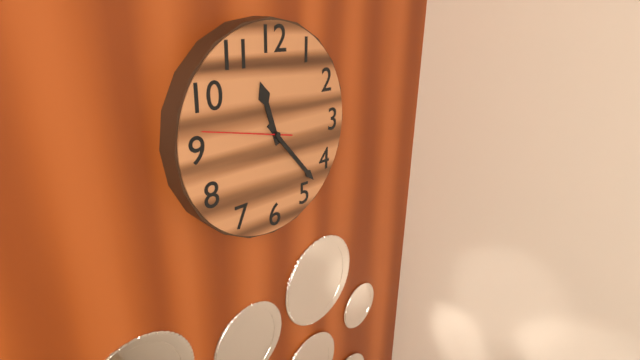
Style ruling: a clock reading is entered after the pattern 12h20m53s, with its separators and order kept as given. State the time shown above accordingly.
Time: 11h23m47s
